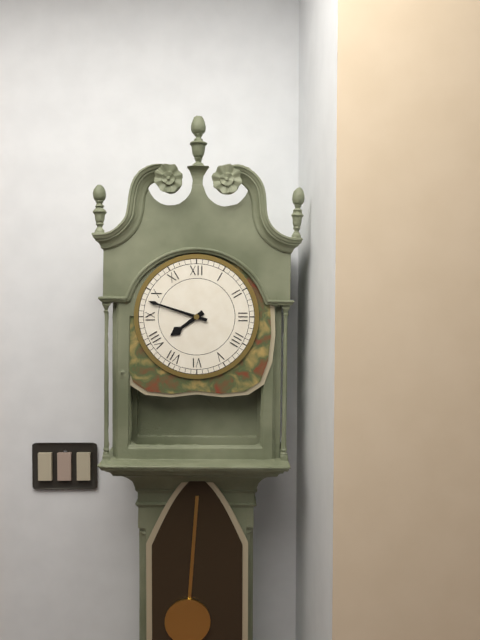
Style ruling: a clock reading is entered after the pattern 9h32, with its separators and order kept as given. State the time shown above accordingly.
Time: 7h48
